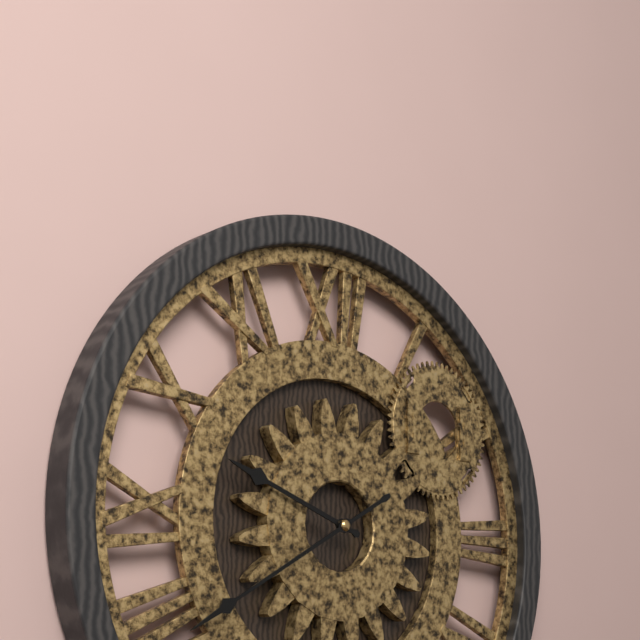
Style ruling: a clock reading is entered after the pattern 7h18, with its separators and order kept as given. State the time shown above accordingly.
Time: 9h40
